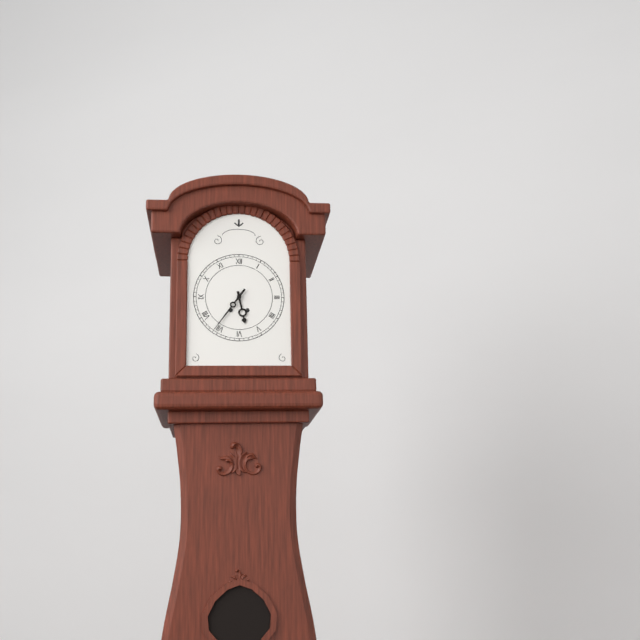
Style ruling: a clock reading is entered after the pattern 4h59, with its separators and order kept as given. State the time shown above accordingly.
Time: 5h36
